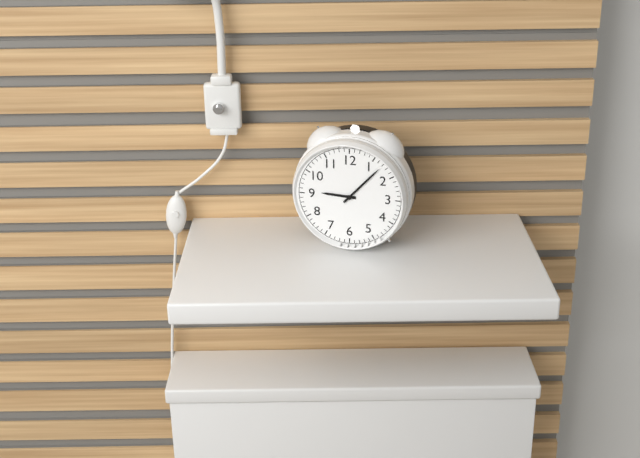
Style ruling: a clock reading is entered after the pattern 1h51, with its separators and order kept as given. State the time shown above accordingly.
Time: 9h07
